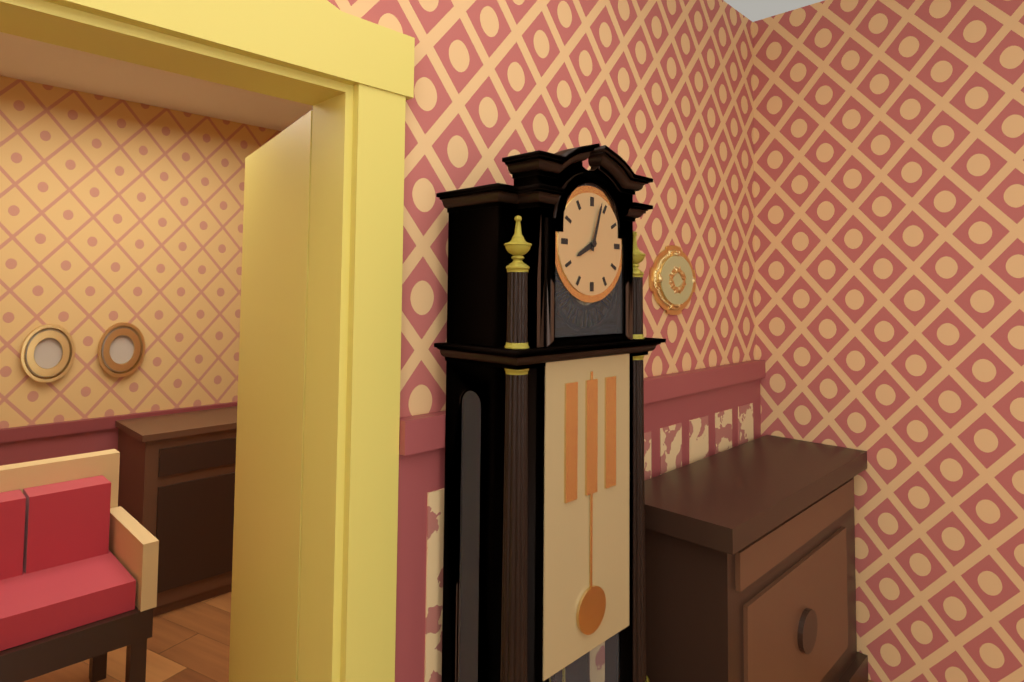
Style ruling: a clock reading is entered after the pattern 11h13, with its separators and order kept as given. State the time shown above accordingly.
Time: 8h03
